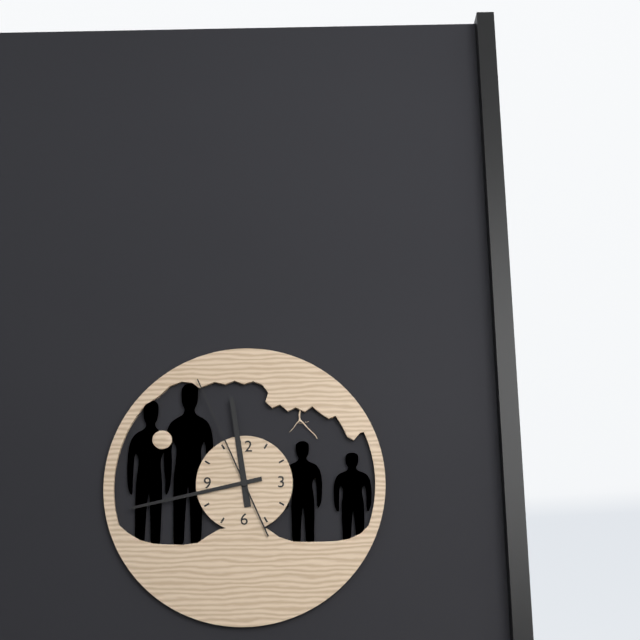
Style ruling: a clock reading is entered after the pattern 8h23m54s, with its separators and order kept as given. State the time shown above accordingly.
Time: 11h43m56s
